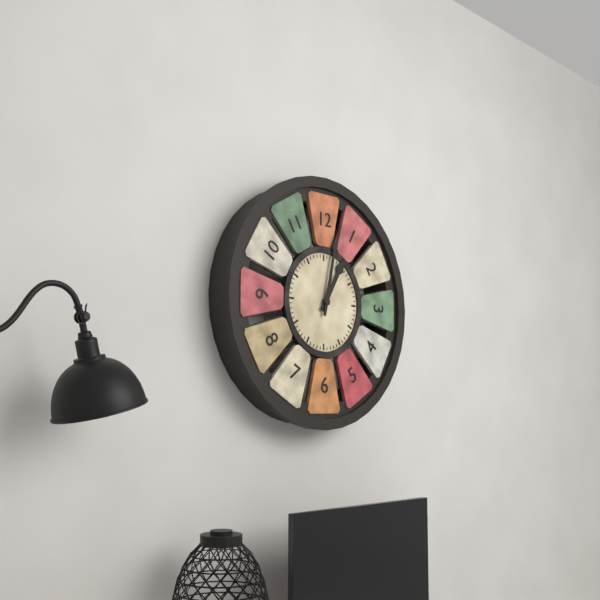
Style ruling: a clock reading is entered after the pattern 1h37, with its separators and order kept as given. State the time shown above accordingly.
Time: 1h02
